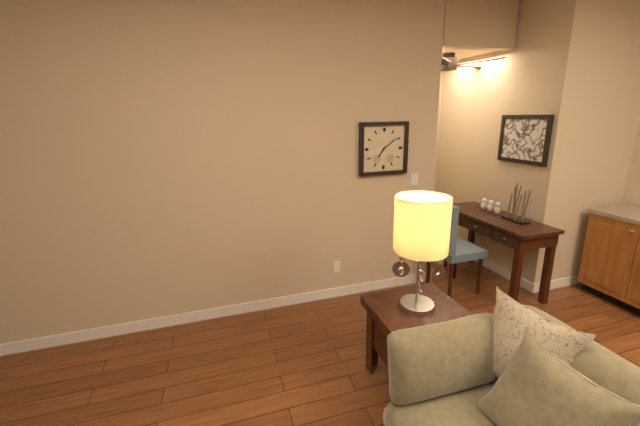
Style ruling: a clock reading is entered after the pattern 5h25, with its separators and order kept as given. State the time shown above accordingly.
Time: 7h09
